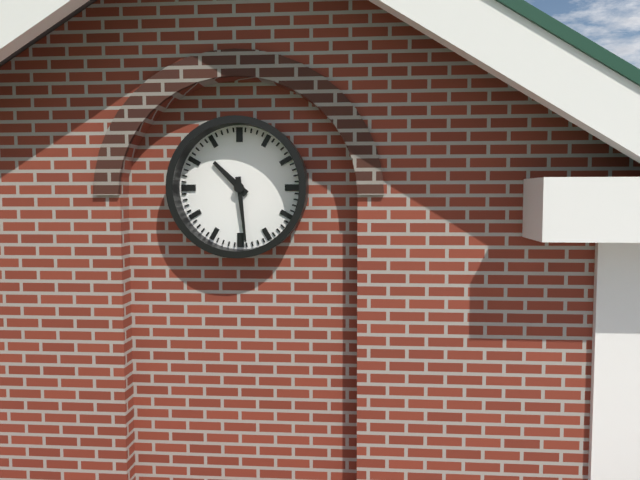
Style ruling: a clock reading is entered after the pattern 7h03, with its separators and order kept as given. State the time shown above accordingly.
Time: 10h29
